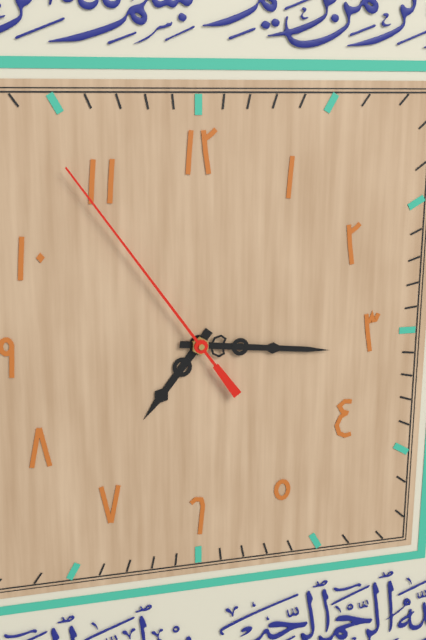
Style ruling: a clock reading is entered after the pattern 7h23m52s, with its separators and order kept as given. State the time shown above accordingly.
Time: 7h16m54s
